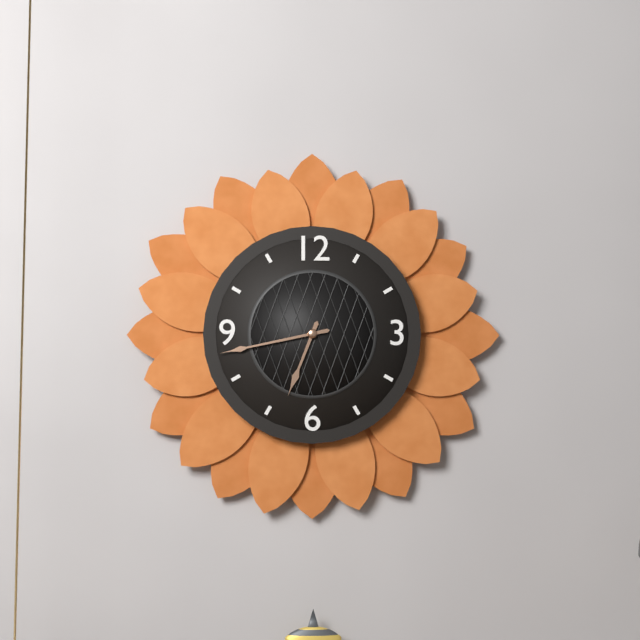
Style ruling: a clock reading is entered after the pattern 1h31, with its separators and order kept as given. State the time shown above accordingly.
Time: 6h43
